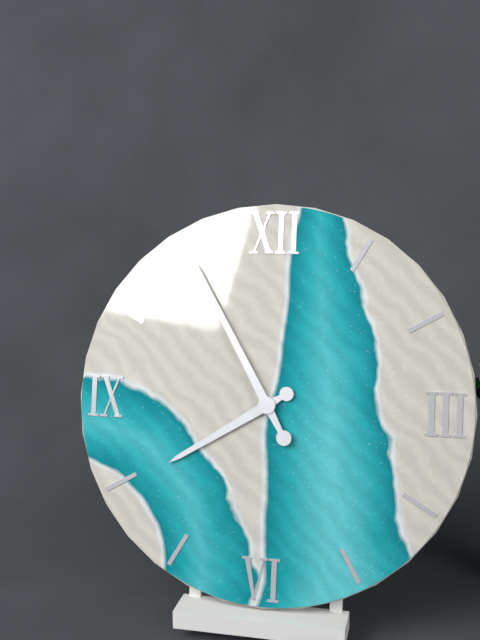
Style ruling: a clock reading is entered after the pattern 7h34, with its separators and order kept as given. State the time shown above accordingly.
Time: 7h55
